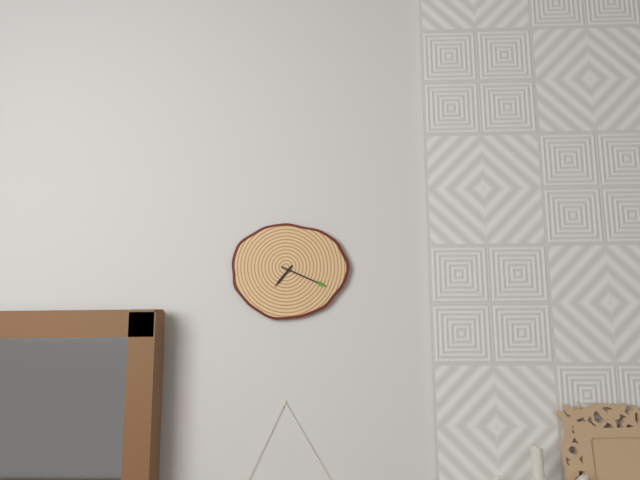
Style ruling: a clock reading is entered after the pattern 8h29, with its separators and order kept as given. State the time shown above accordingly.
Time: 7h19
